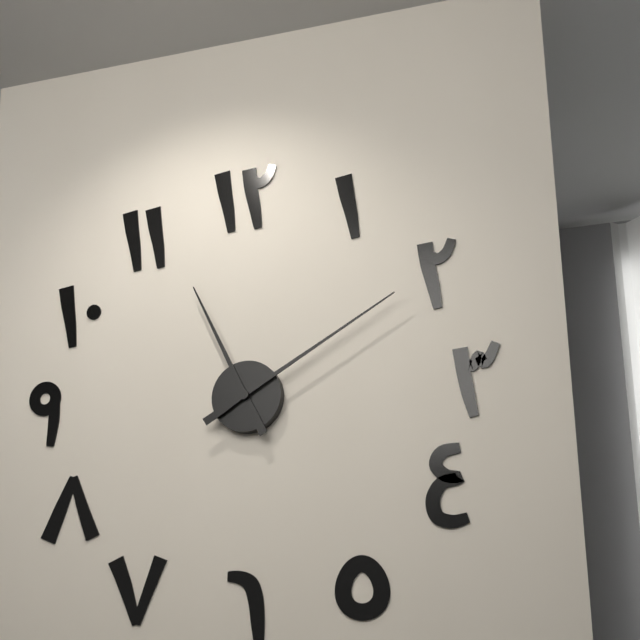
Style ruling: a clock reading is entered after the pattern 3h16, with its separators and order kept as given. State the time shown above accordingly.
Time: 11h10
